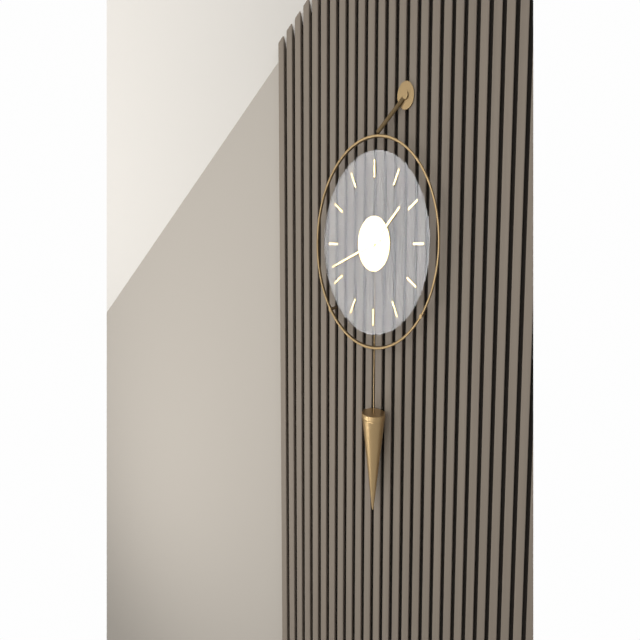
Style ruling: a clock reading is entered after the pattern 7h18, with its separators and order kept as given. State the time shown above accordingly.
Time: 1h42
